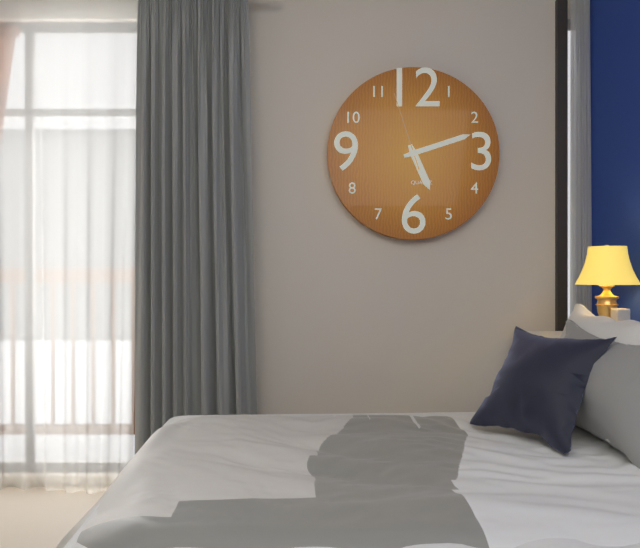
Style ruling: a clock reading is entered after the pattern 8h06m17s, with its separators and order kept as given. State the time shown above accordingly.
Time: 5h12m57s
